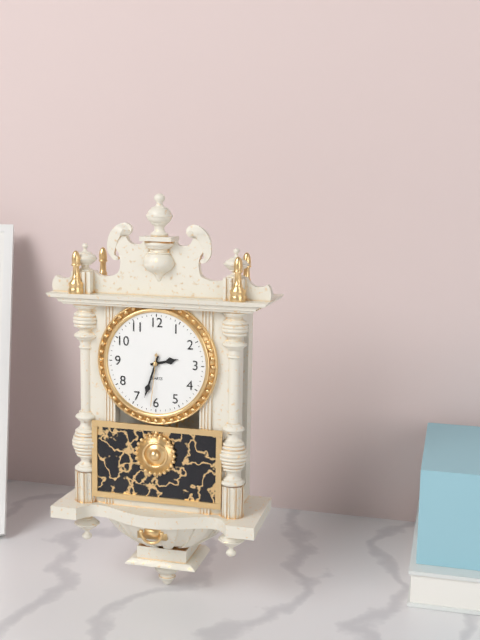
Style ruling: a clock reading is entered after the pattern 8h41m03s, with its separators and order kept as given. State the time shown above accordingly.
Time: 2h33m31s
